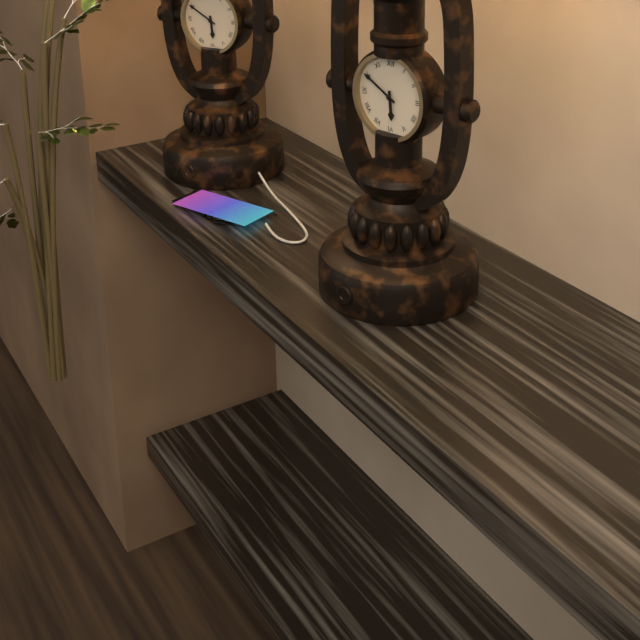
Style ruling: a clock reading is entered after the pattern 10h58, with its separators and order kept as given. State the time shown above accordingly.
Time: 5h50
